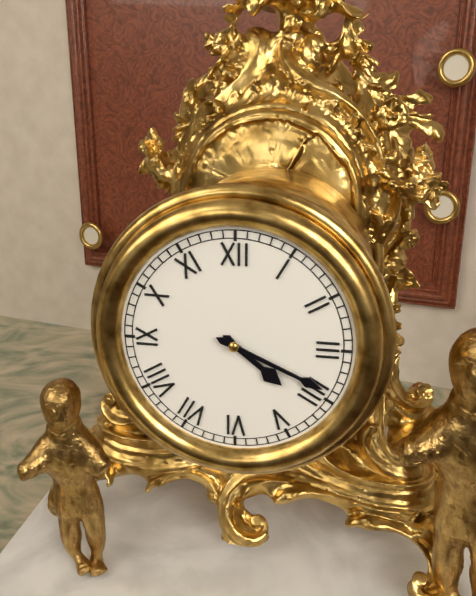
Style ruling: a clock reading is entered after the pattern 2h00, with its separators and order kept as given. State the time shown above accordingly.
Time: 4h19
